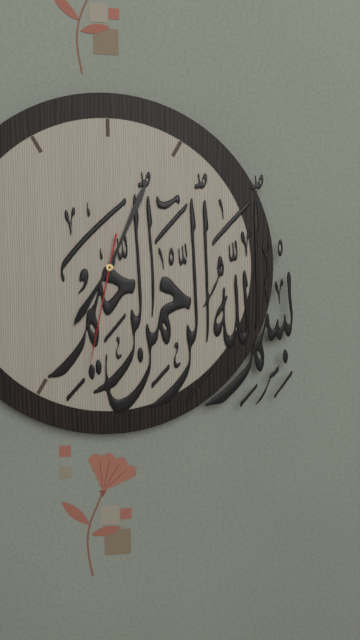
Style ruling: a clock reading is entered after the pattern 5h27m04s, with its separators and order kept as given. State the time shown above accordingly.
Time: 7h04m32s
